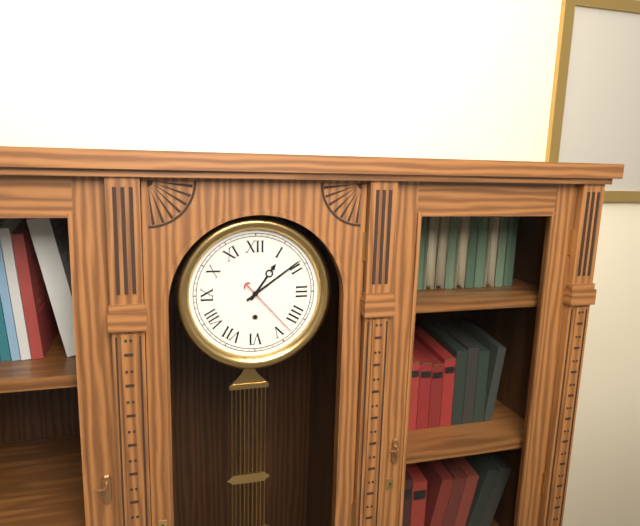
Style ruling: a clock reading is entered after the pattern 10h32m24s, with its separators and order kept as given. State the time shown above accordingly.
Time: 1h09m23s
